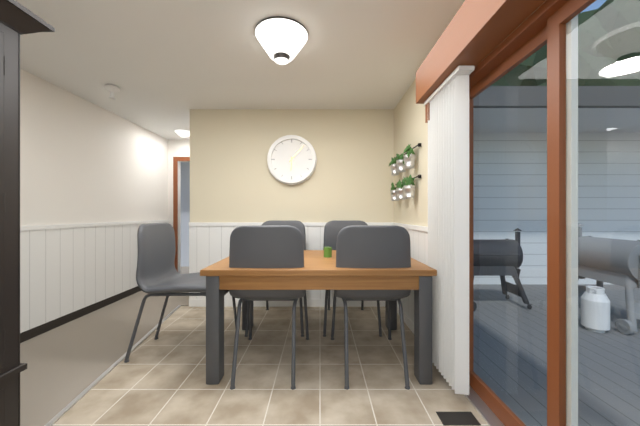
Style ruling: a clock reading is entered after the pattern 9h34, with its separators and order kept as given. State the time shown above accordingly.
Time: 6h07
